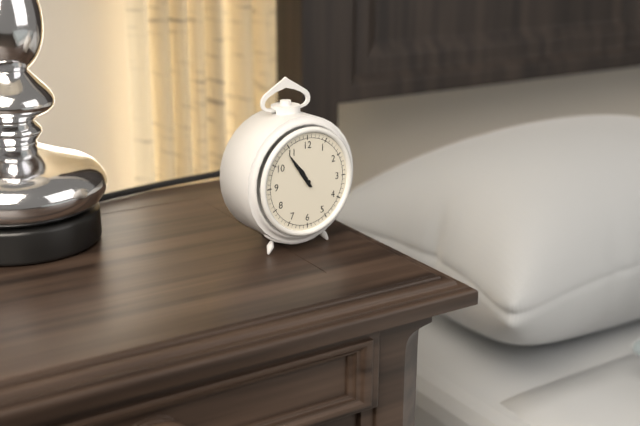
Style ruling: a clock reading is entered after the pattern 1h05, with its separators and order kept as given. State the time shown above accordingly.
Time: 10h54
